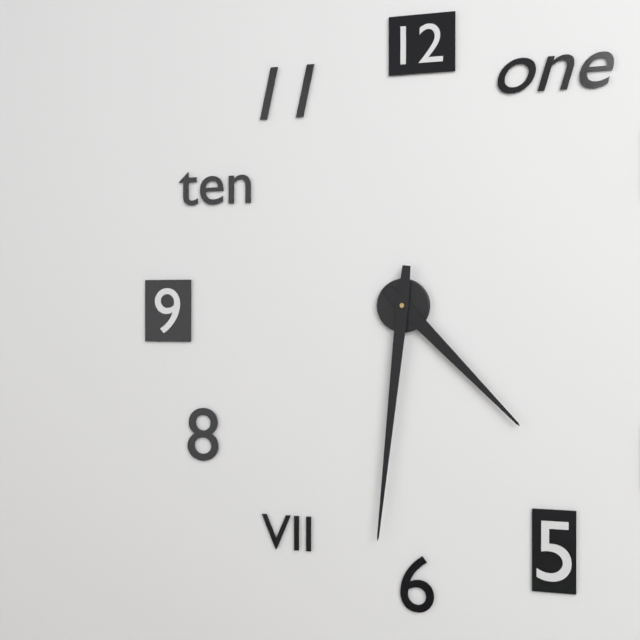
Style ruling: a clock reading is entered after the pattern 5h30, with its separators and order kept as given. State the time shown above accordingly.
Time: 4h31
